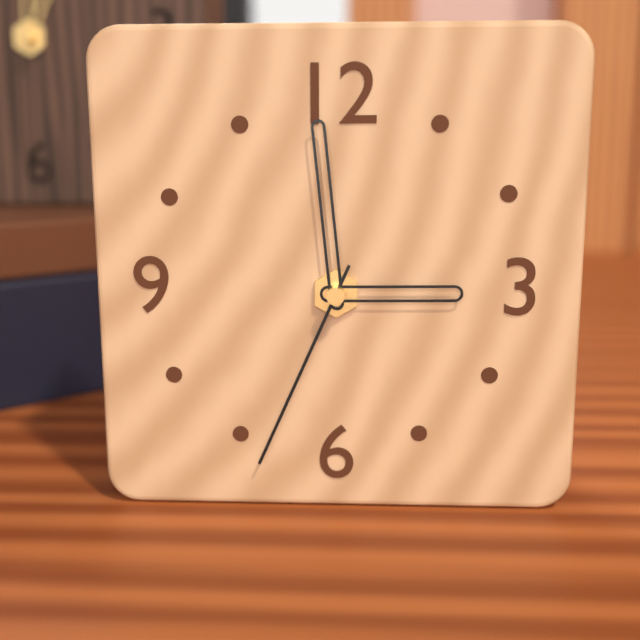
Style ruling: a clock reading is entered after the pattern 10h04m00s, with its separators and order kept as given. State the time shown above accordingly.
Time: 2h59m34s
